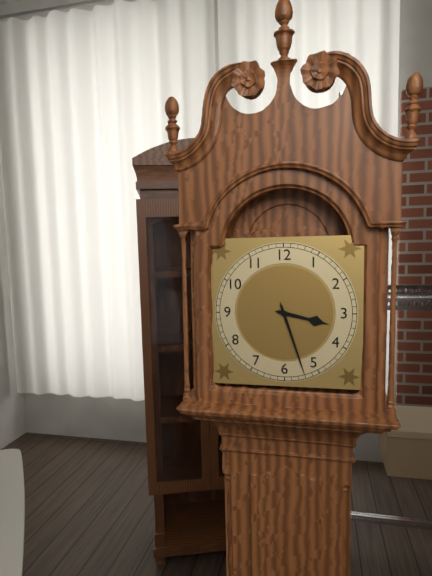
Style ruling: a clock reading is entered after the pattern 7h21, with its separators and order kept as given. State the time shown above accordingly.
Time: 3h27
